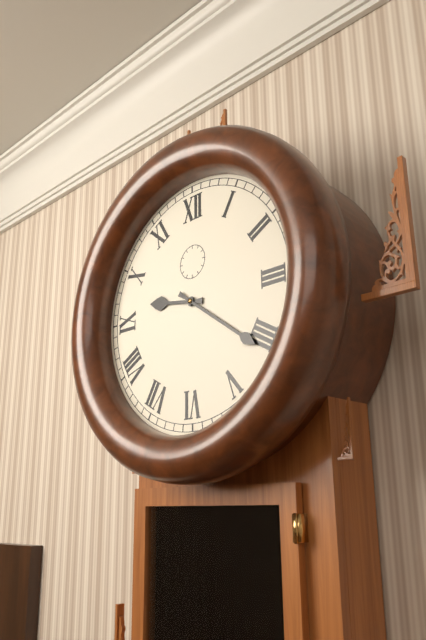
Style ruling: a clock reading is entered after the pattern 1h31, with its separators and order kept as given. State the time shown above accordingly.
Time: 9h21
